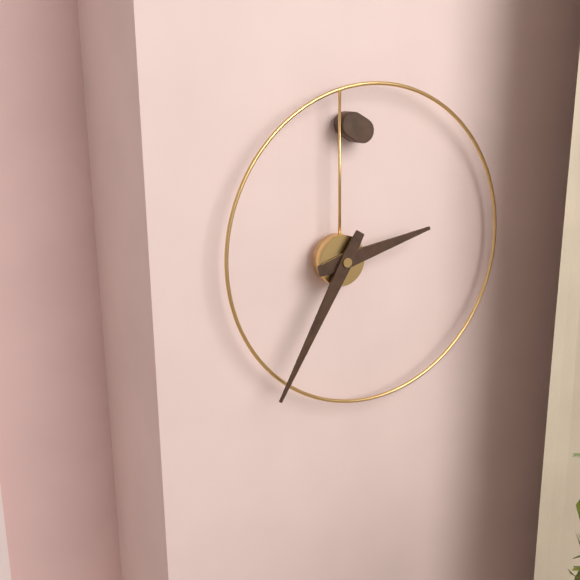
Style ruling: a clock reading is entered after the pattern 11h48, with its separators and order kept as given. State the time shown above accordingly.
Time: 2h35
